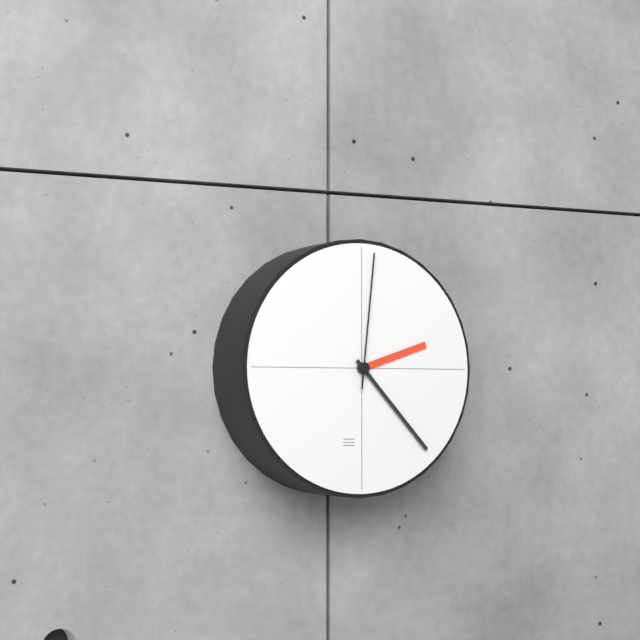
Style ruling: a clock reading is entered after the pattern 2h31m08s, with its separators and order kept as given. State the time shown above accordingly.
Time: 2h23m01s
